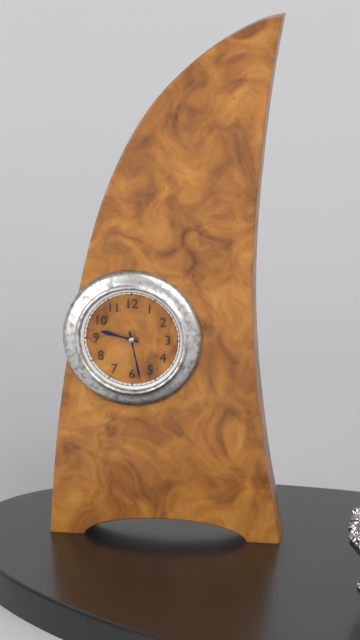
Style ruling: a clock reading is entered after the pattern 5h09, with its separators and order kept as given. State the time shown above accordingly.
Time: 9h28
